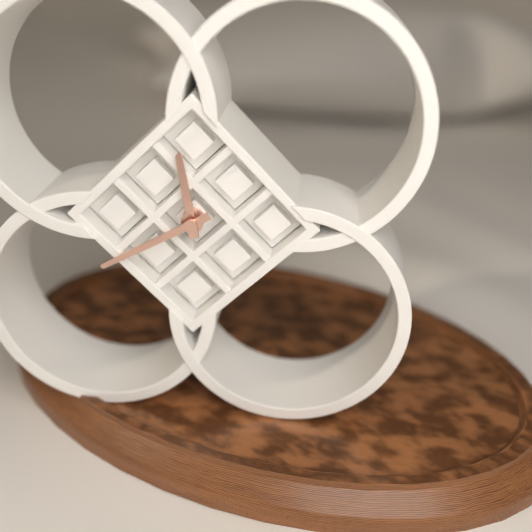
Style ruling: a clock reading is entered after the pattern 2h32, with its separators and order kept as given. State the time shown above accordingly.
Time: 11h40
